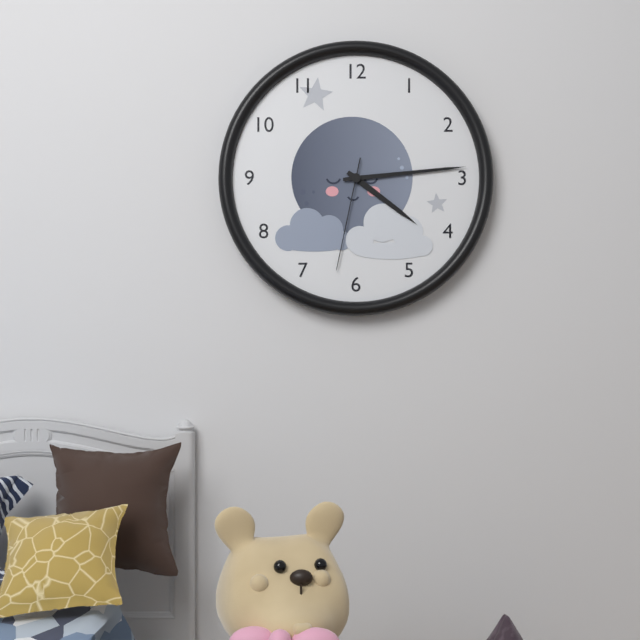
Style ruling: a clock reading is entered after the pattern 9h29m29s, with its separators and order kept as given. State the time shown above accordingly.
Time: 4h14m32s
